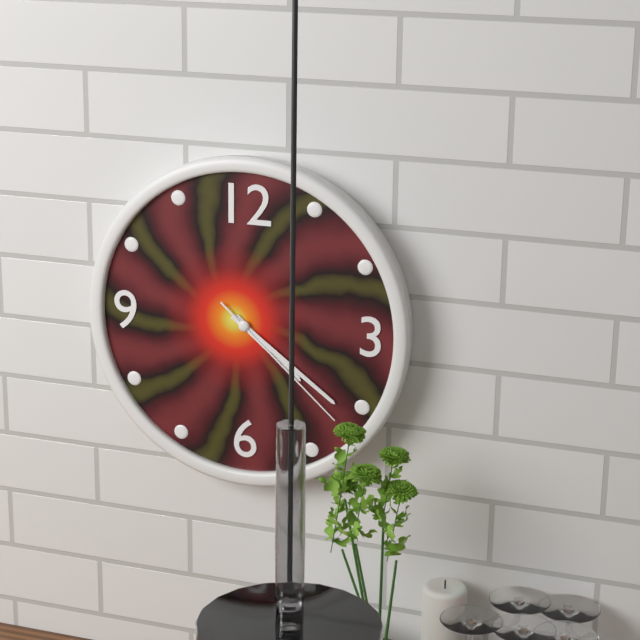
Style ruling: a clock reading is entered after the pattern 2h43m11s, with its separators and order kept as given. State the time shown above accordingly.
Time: 4h21m22s
